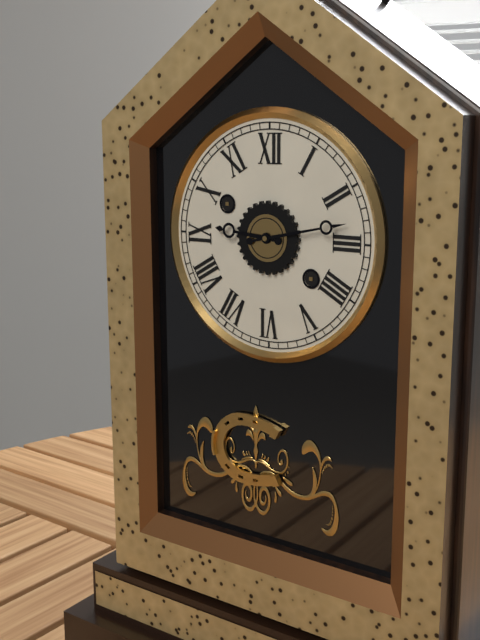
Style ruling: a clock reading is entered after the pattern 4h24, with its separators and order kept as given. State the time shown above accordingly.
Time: 9h13
